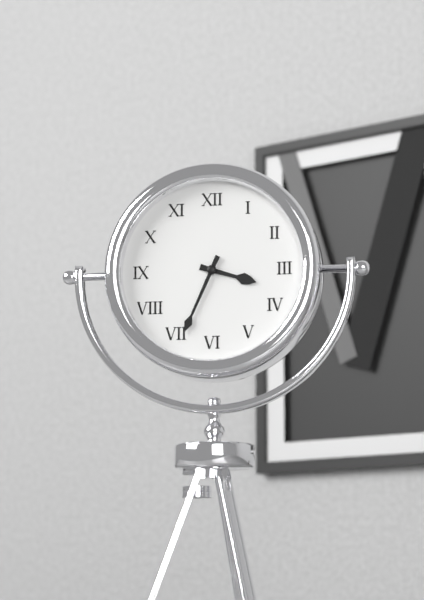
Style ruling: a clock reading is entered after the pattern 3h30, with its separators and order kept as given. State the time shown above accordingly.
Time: 3h34
